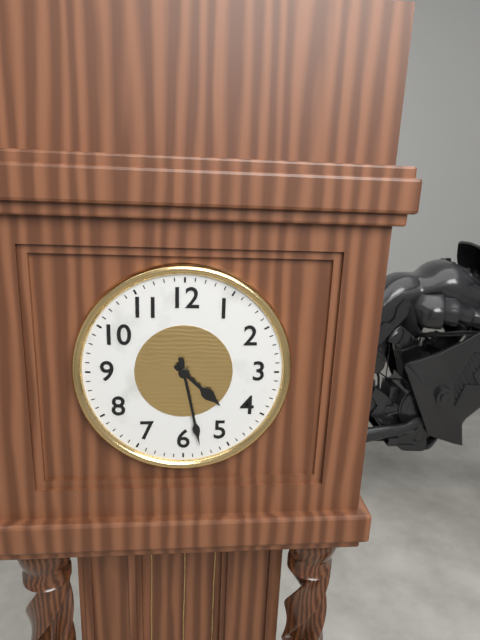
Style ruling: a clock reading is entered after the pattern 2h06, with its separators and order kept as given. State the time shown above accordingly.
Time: 4h28
